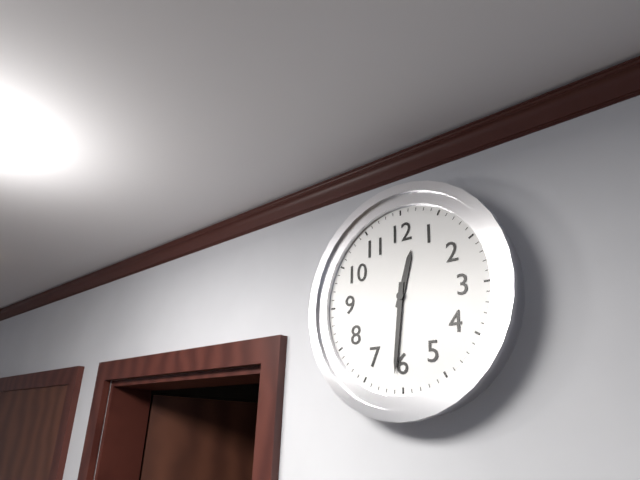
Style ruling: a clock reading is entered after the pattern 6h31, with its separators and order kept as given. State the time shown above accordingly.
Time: 12h31
